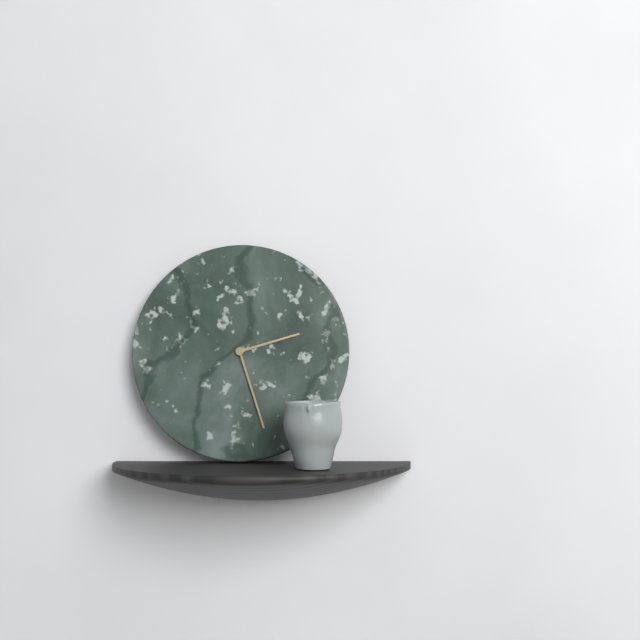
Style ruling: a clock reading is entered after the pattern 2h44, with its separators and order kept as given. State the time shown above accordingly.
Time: 2h27
